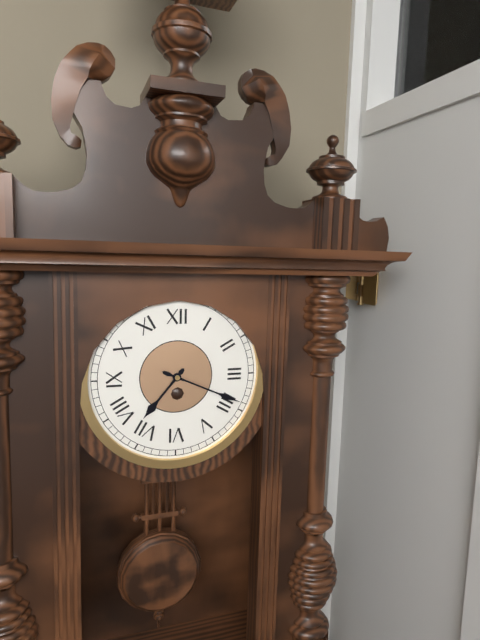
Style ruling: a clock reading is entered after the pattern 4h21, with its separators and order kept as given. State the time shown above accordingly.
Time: 7h19
